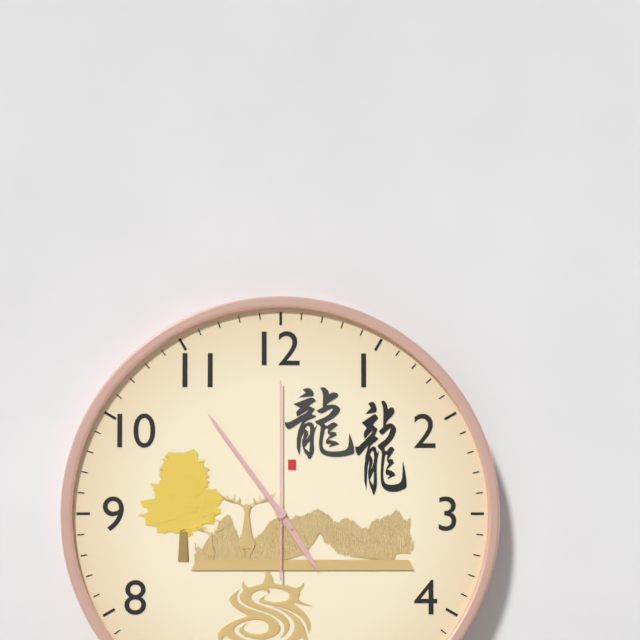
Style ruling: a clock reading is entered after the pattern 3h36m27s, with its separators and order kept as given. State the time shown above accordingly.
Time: 4h54m00s
